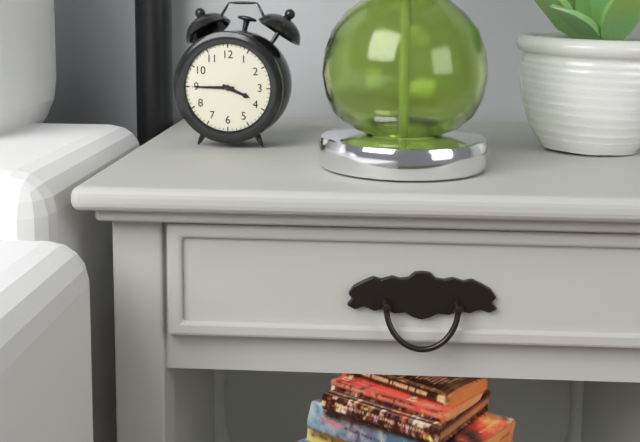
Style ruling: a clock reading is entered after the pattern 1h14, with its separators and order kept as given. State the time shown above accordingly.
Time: 3h45
